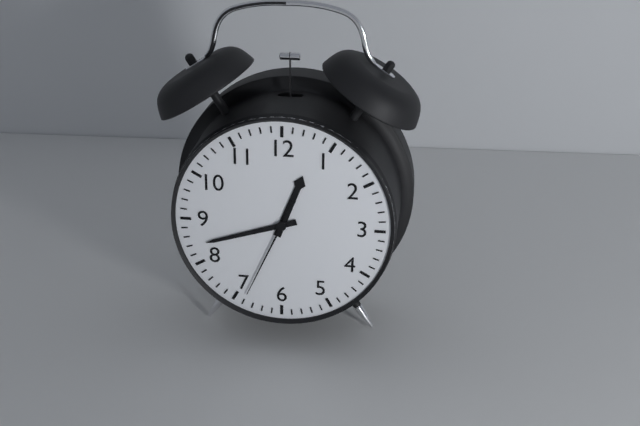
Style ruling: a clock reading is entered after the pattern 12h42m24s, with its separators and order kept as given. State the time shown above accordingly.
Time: 12h42m34s
